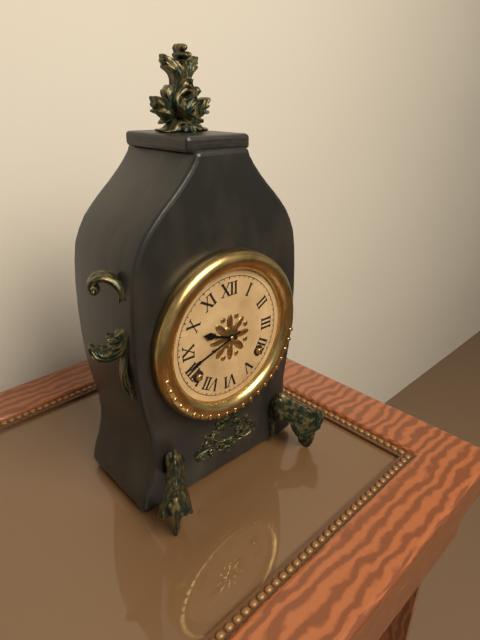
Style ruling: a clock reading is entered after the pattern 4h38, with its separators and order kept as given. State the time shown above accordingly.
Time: 9h42
